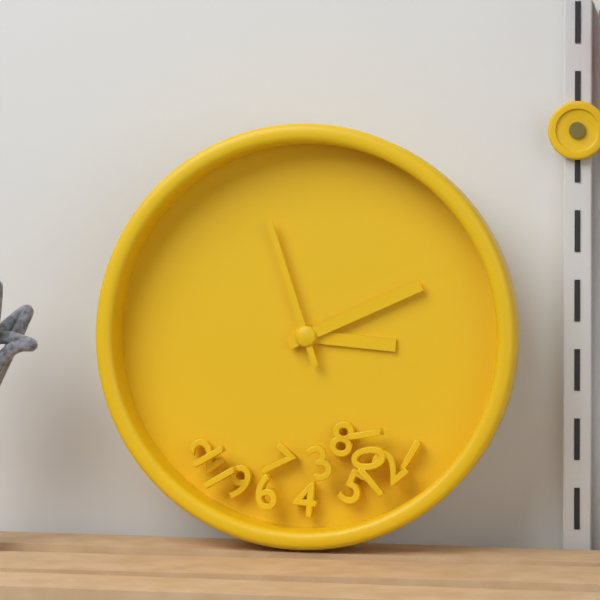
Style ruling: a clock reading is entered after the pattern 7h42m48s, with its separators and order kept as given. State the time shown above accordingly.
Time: 3h11m57s
